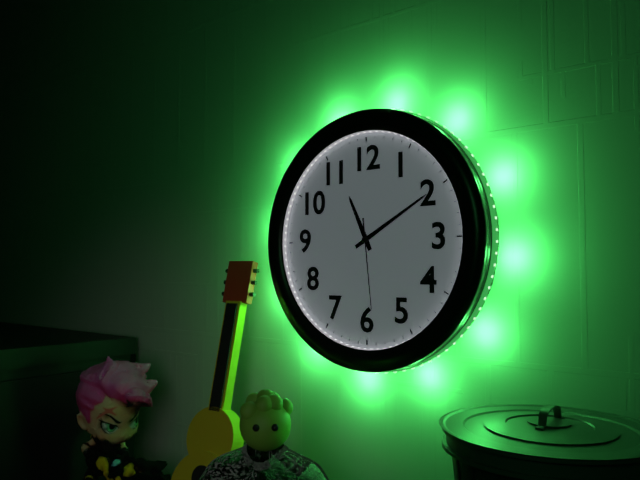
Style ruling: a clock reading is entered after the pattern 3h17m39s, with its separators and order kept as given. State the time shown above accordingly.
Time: 11h10m29s
